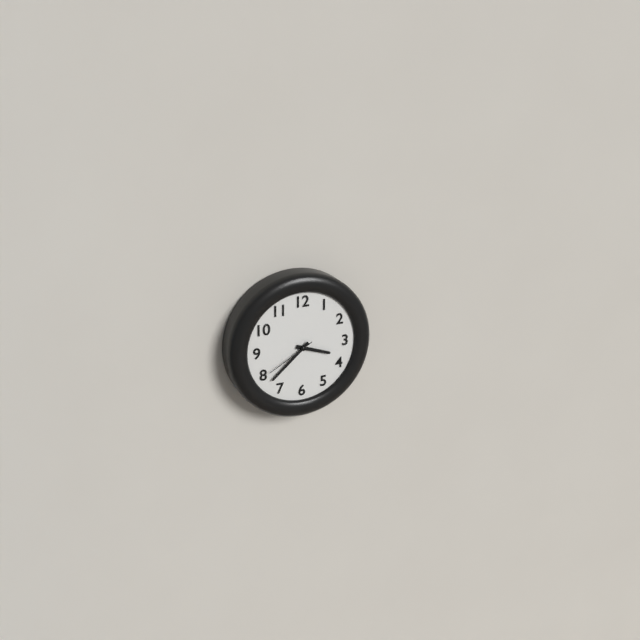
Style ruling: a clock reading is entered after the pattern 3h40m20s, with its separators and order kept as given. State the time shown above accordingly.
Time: 3h38m40s
